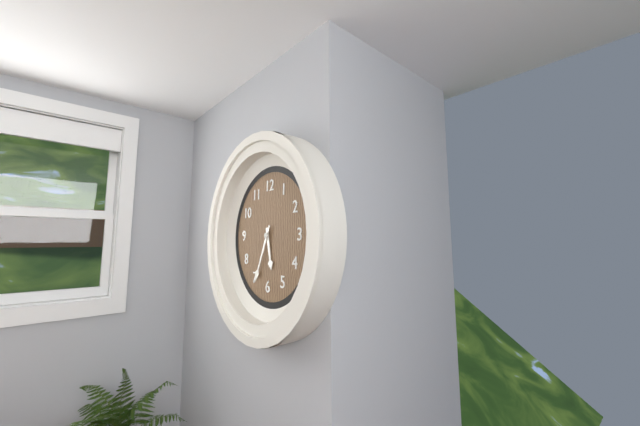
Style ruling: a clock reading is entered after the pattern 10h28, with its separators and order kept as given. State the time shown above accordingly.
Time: 5h34
